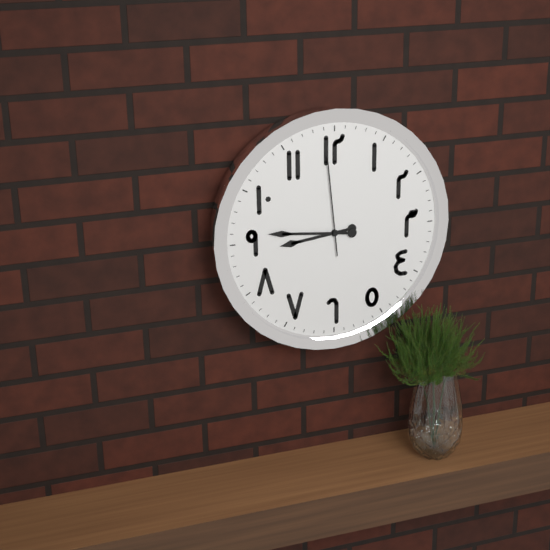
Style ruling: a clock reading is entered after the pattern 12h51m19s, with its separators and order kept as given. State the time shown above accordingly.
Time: 8h46m59s
